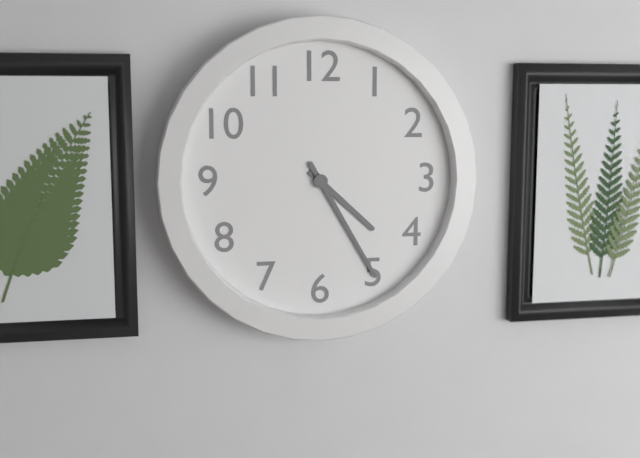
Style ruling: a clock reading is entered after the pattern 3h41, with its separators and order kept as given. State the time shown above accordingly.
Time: 4h25
